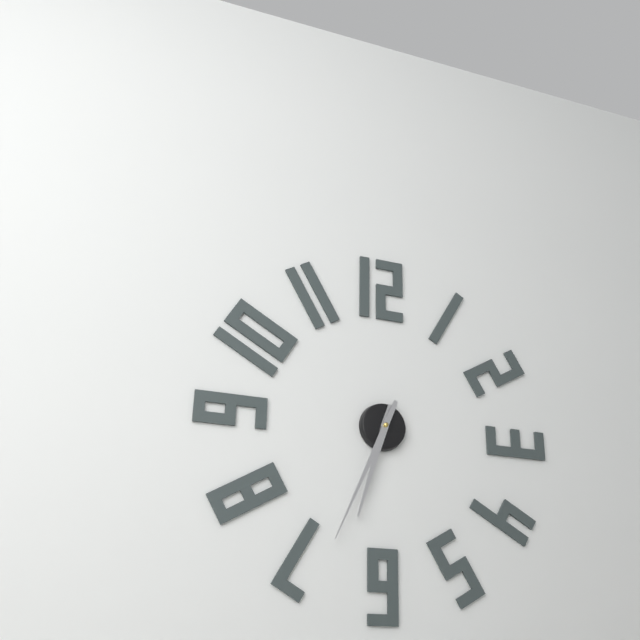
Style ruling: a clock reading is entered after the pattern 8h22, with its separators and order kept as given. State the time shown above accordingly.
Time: 6h34
